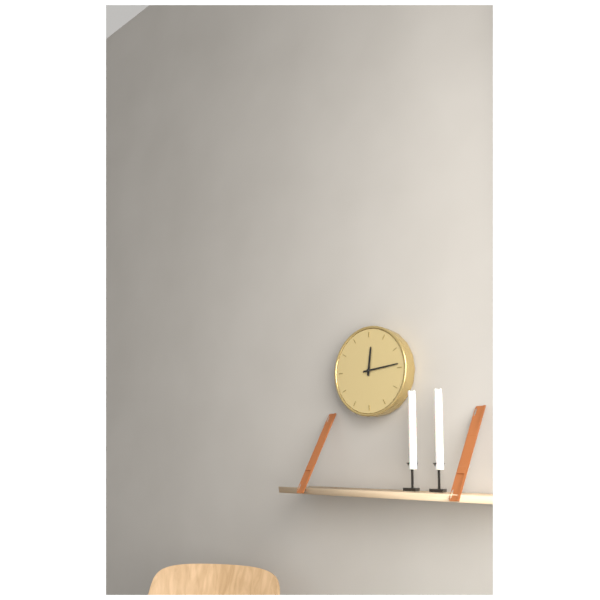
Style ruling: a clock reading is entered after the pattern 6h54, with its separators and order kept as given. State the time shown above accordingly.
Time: 12h14
